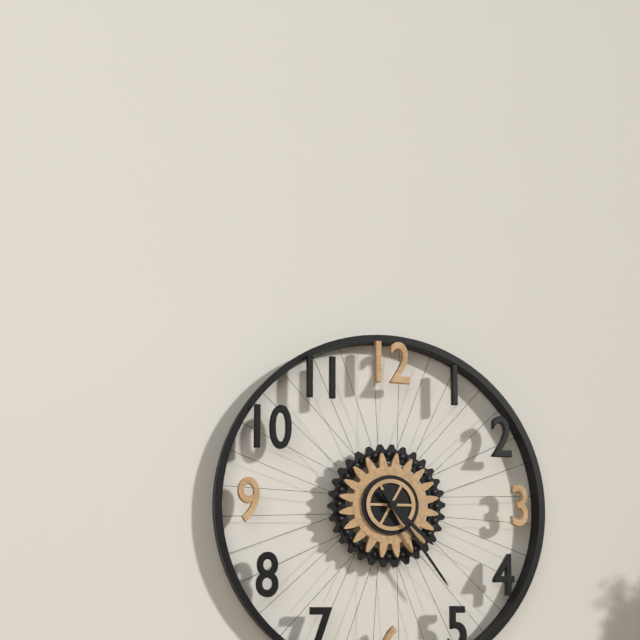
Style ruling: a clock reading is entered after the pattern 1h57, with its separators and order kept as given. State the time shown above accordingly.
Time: 4h24
